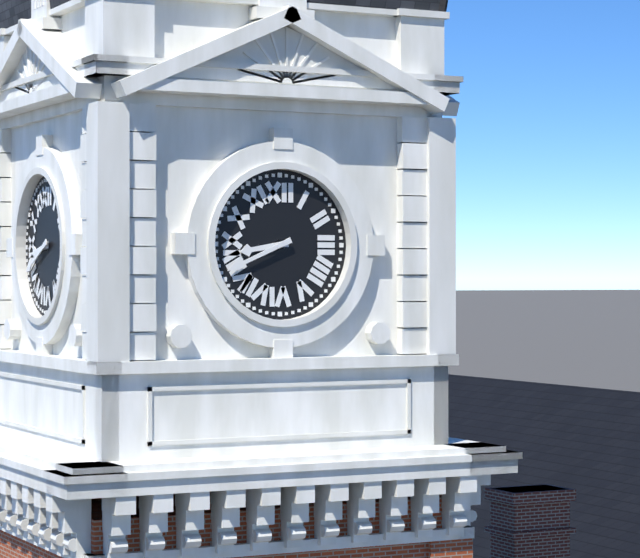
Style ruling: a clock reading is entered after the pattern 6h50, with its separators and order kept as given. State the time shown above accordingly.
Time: 8h41
